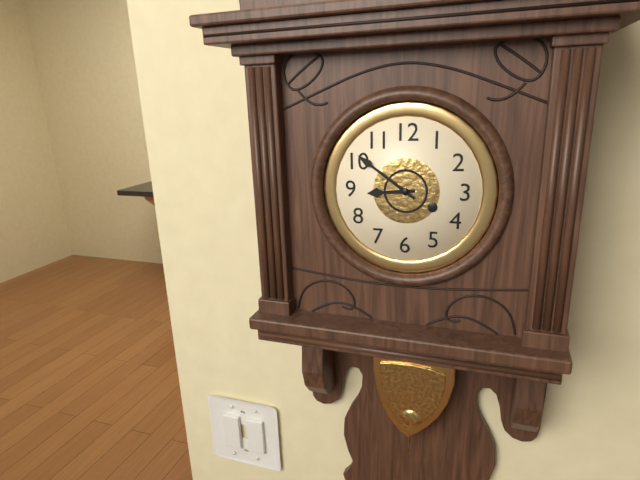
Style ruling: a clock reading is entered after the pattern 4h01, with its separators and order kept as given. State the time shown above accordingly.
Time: 8h51
